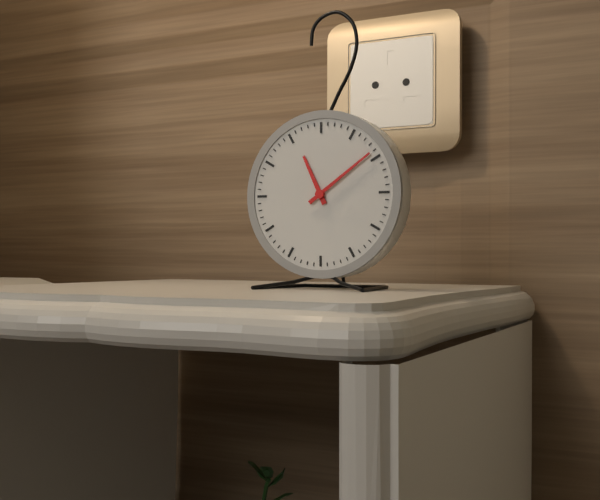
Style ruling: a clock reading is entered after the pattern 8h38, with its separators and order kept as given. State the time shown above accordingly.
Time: 11h09
